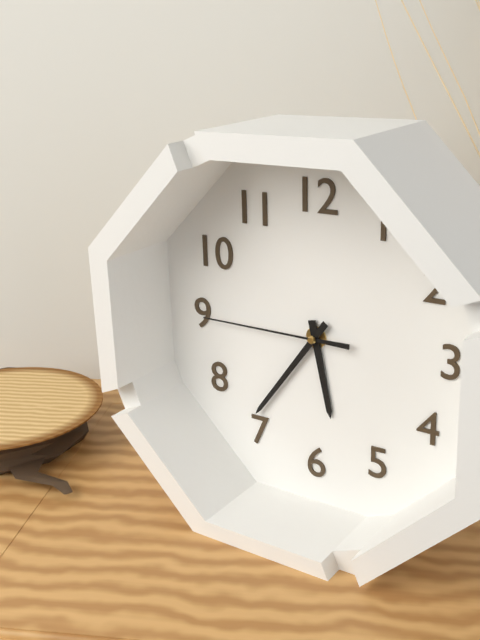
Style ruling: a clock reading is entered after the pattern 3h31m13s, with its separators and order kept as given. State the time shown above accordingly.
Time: 5h36m45s
